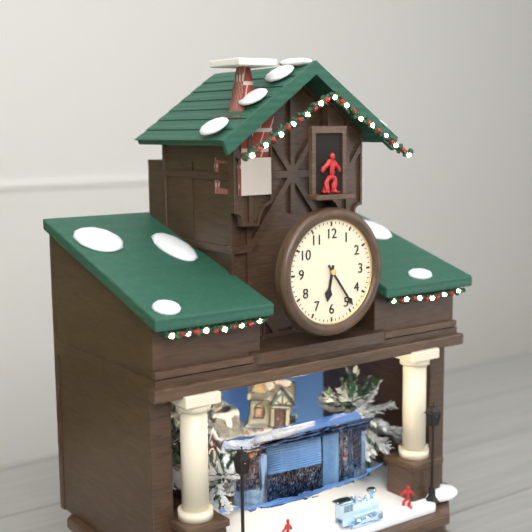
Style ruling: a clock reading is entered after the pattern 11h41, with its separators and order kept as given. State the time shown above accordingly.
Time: 6h24
